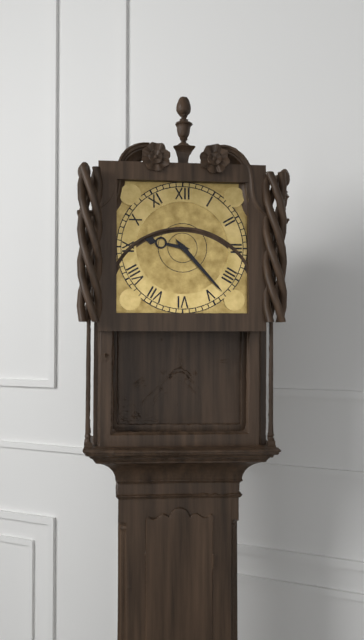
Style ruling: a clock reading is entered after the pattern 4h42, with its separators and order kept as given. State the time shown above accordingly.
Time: 9h23
